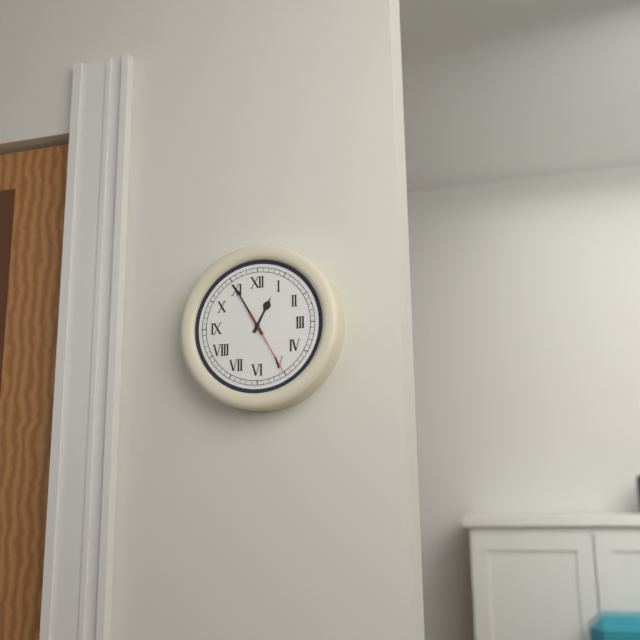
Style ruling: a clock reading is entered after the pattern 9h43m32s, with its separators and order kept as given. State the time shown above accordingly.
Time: 12h55m25s
